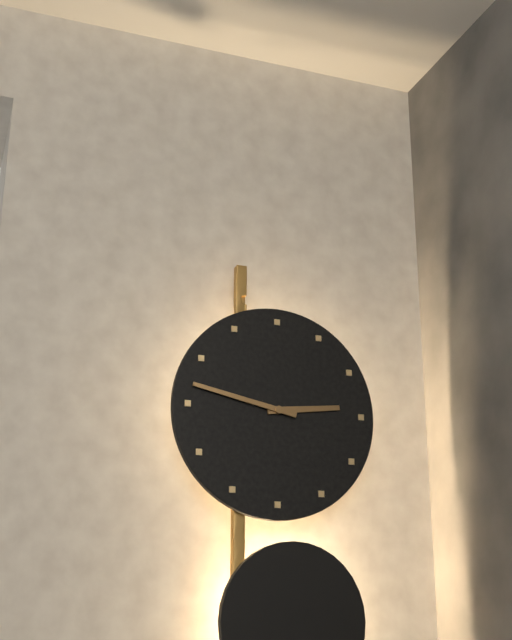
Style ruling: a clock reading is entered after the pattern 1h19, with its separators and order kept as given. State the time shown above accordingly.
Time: 2h47
